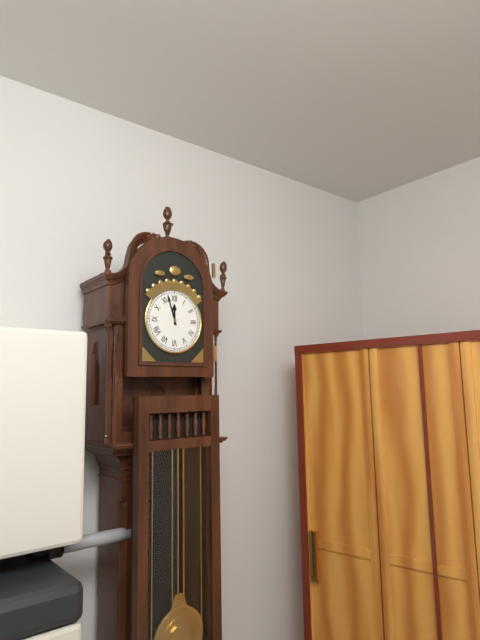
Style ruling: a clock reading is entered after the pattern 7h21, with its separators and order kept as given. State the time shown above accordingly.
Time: 11h57
